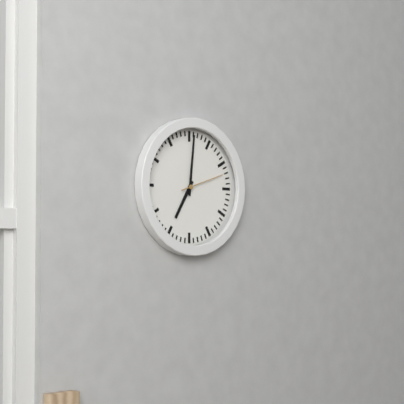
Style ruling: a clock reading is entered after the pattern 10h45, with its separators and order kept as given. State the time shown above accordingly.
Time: 7h01
